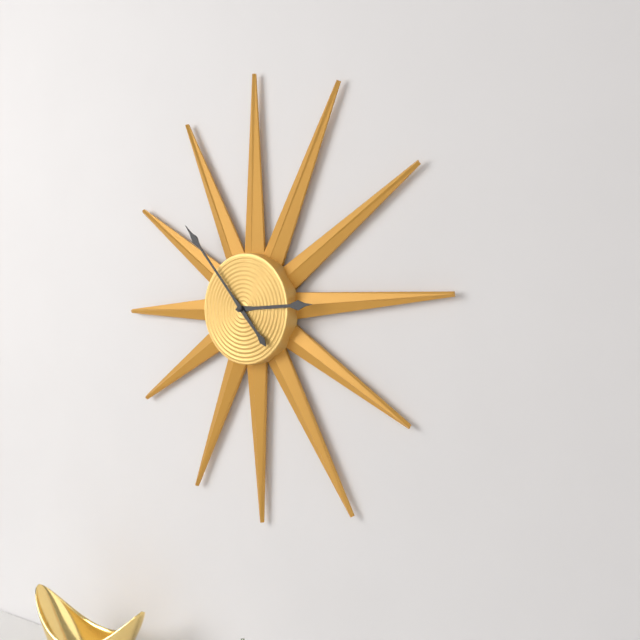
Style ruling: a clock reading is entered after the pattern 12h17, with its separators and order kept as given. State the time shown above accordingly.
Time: 2h53
